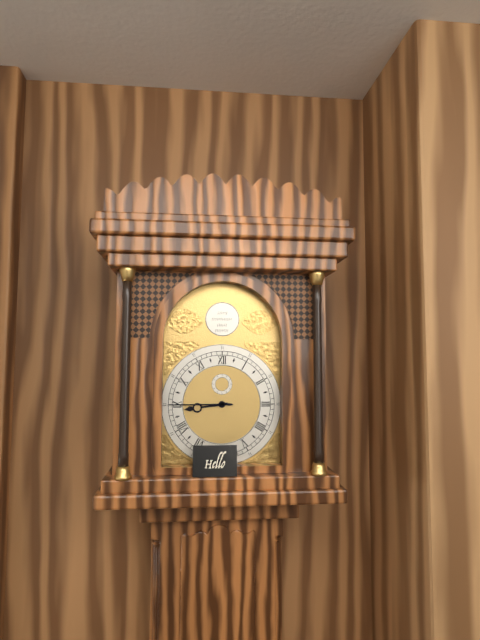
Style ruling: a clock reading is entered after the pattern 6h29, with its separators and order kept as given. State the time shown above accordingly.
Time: 8h45
